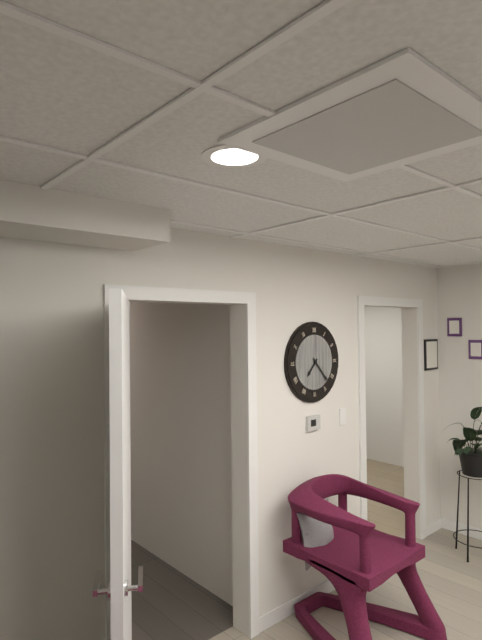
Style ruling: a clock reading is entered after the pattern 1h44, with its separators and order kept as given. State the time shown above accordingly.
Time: 7h23
